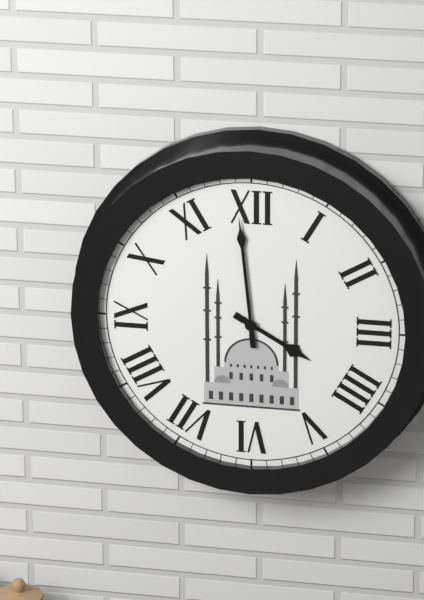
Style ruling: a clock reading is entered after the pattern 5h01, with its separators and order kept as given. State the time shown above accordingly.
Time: 3h59
